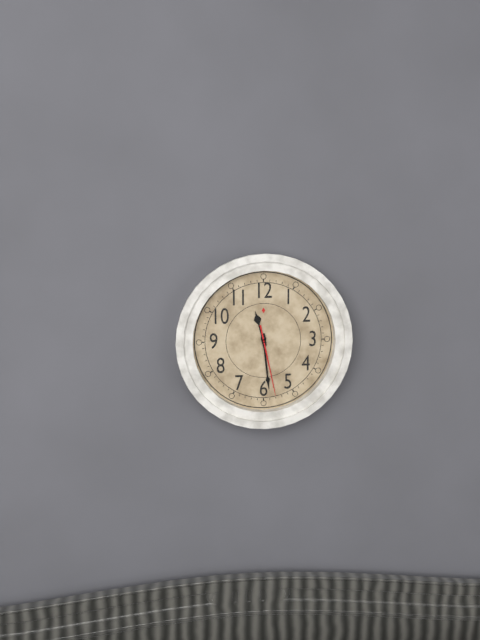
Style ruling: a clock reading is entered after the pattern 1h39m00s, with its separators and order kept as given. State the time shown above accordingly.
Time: 11h29m28s
